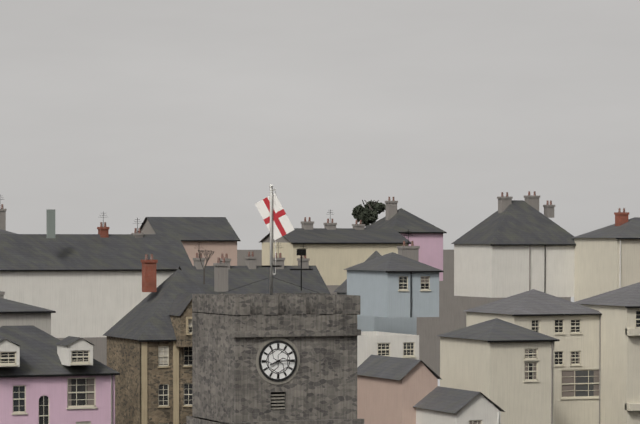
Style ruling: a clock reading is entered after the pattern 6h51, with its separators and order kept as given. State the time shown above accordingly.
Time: 8h15
